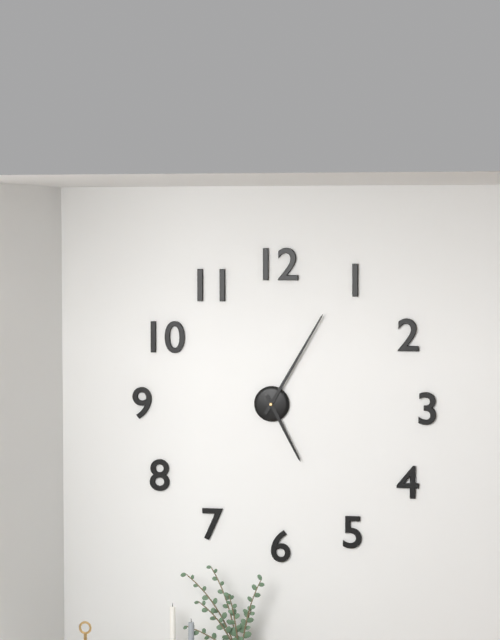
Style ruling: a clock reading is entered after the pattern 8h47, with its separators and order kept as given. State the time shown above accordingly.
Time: 5h05
